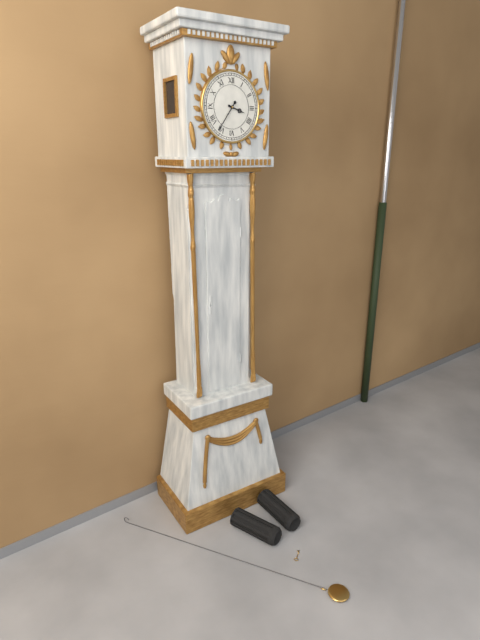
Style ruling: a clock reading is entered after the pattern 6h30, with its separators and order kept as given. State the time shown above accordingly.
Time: 3h36
